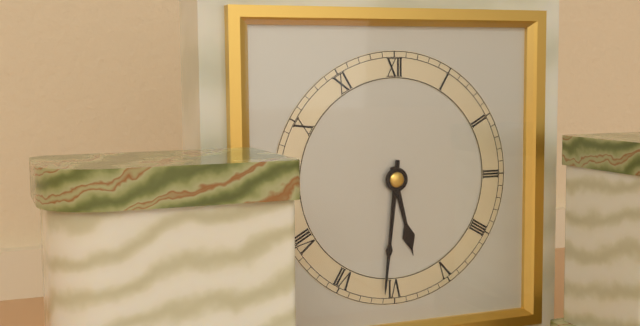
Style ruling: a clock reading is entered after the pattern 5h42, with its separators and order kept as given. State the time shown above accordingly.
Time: 5h31
